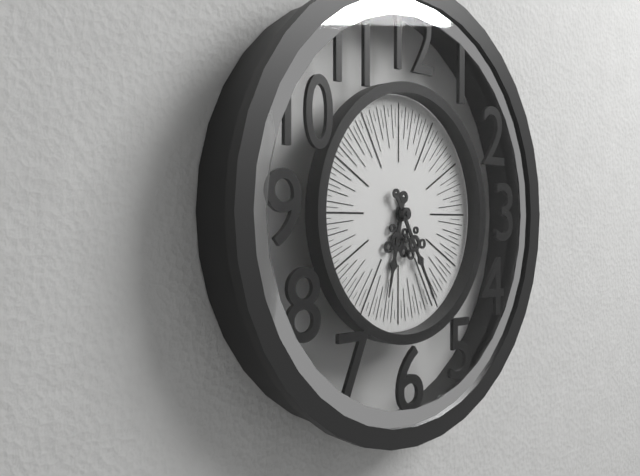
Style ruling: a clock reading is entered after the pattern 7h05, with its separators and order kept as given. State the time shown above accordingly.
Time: 6h25
